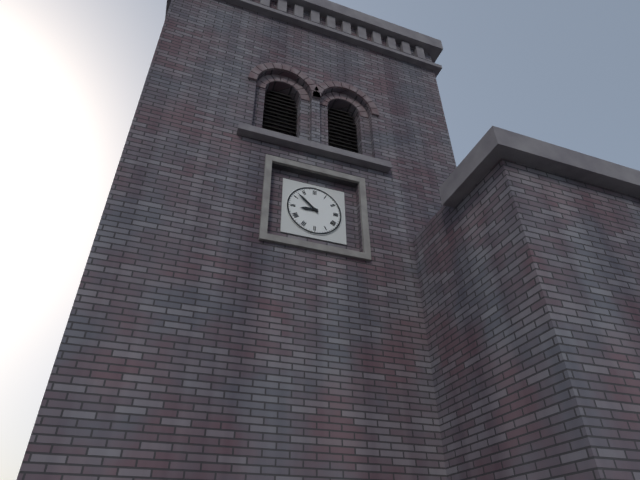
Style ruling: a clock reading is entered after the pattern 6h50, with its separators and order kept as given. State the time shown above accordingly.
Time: 8h52
